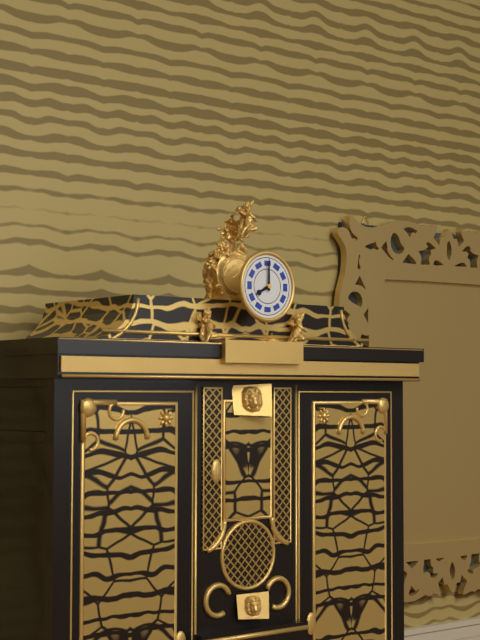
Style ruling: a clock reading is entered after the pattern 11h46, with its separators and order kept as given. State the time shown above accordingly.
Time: 8h00
